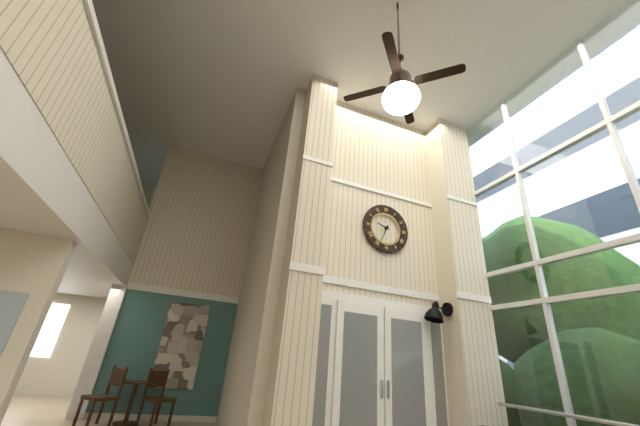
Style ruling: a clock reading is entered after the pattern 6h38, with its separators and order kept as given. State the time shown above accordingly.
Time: 9h34
